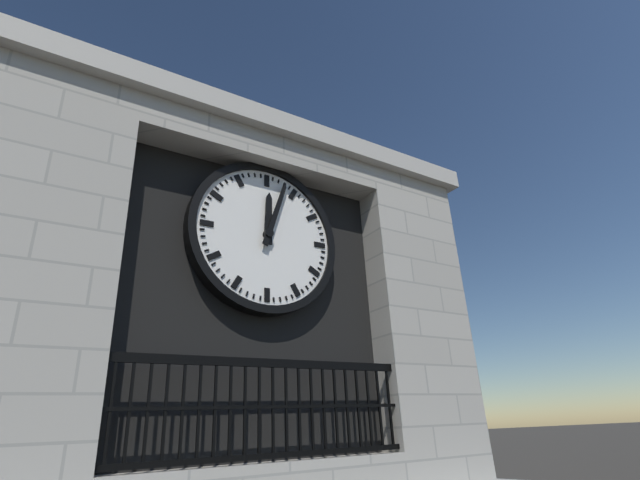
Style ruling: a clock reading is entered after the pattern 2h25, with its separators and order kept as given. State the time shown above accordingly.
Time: 12h03
